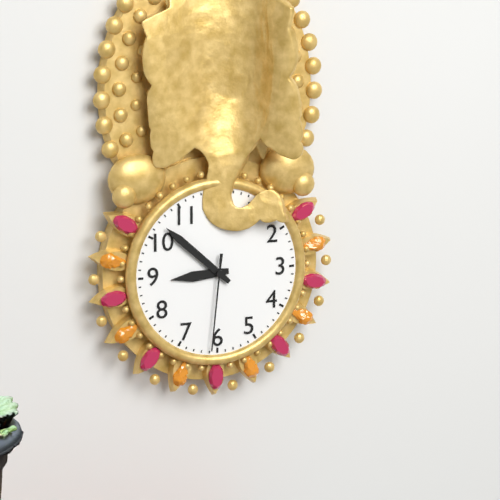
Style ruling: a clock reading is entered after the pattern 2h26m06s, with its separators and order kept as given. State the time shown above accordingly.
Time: 8h52m31s
